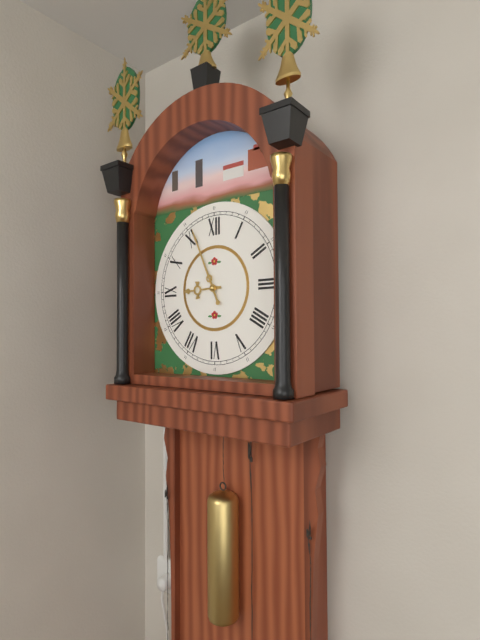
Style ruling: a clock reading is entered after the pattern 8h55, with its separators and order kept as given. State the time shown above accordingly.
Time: 8h56
